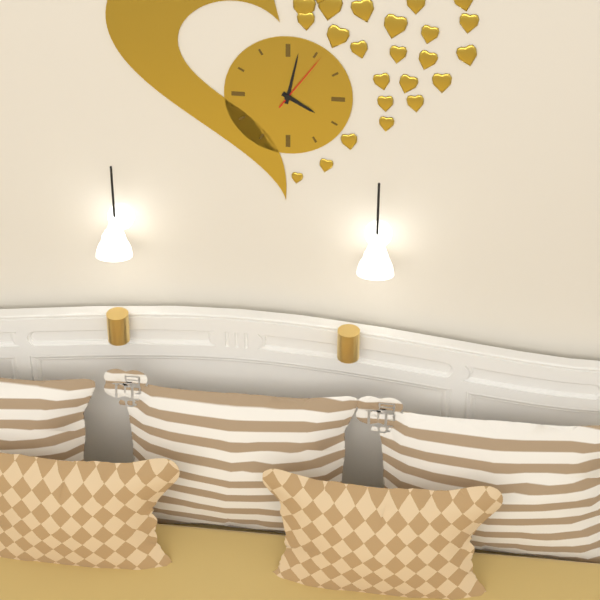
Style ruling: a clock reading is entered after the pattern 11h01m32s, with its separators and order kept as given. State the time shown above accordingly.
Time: 4h02m06s
